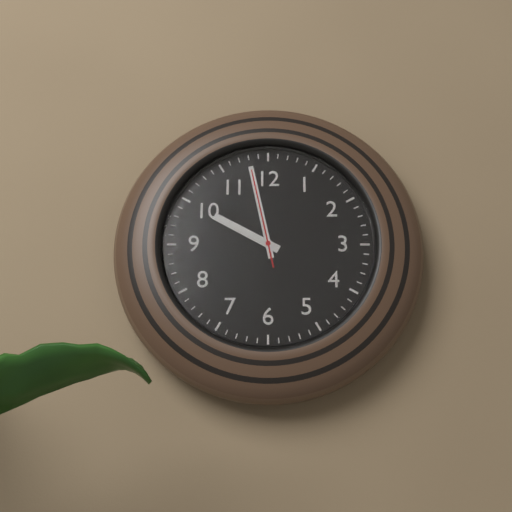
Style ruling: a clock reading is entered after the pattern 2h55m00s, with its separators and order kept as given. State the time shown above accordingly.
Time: 9h58m58s
